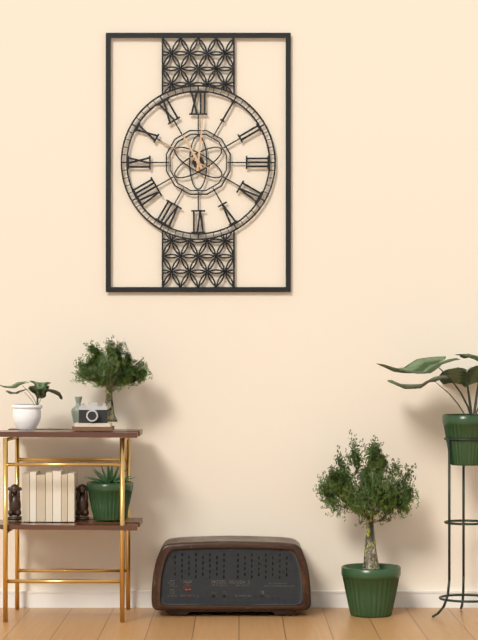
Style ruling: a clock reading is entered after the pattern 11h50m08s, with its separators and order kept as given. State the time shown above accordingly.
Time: 11h01m50s
